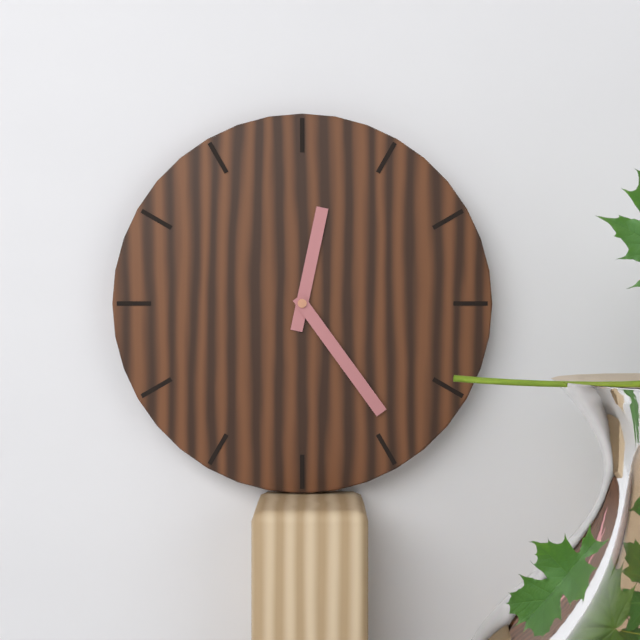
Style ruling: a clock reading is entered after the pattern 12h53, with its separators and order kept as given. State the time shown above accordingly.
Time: 12h24
